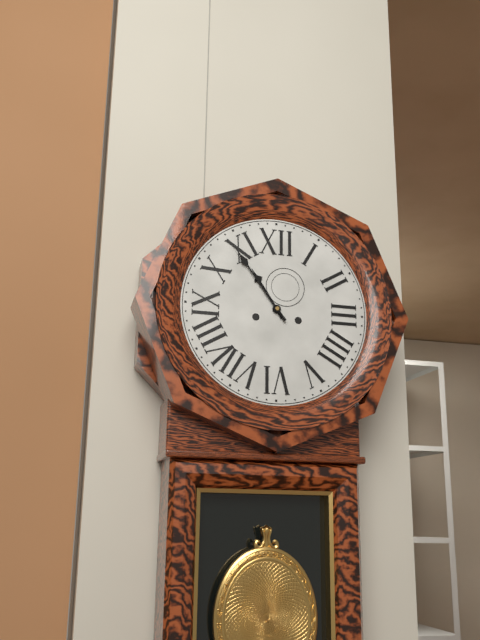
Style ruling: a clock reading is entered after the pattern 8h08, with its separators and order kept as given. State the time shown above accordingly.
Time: 10h54
